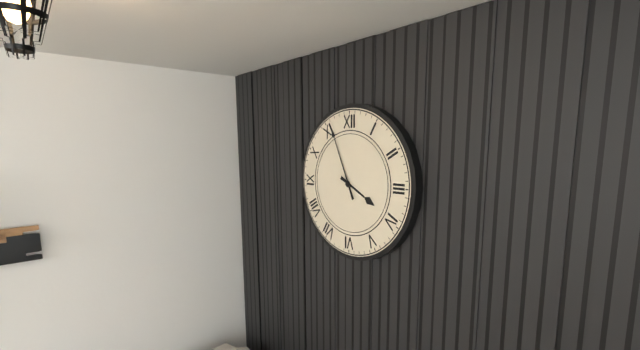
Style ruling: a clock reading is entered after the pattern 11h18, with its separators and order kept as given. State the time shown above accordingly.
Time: 3h56
